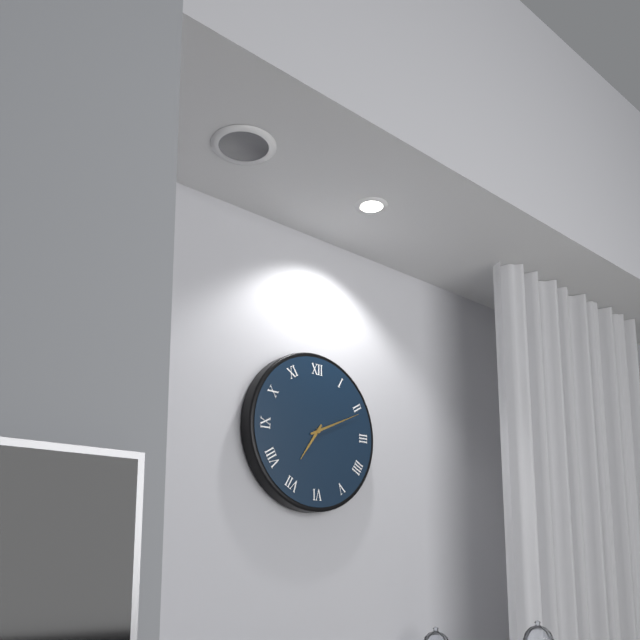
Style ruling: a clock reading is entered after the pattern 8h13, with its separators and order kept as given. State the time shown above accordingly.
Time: 7h11
